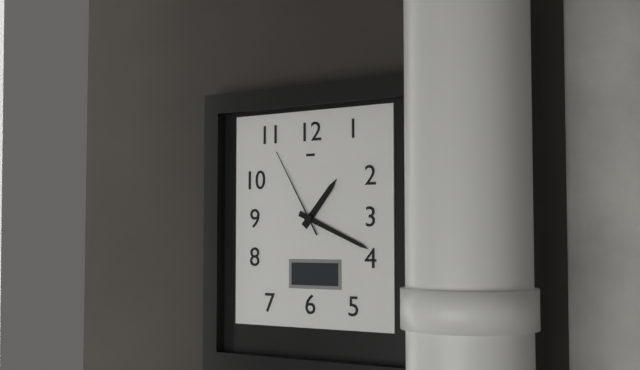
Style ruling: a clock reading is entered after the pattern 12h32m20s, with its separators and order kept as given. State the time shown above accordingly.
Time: 1h19m55s
